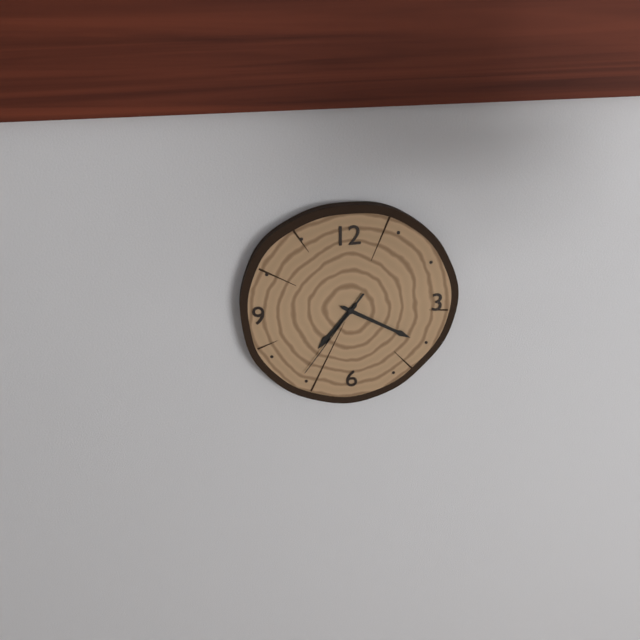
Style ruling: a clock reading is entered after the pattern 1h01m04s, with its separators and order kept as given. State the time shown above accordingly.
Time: 7h20m36s
